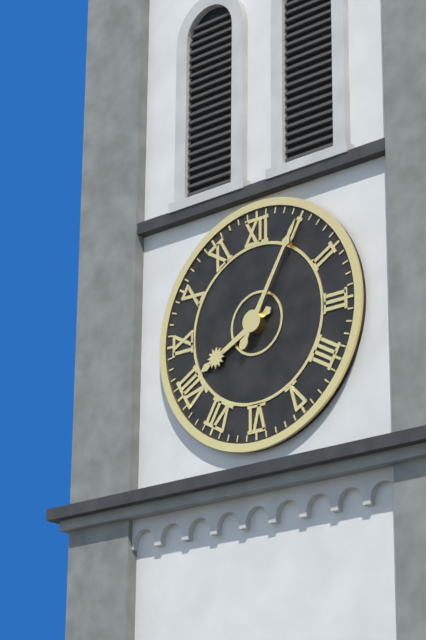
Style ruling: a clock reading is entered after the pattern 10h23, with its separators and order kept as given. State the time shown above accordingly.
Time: 8h05
